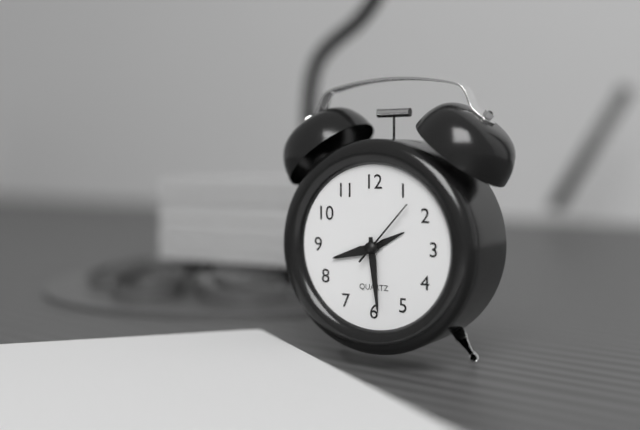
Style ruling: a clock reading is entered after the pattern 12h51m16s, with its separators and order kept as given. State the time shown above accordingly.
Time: 8h29m07s
